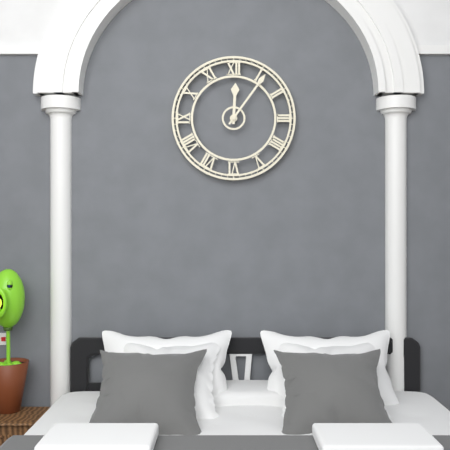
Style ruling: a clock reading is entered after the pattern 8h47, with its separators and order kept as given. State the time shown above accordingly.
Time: 12h06
